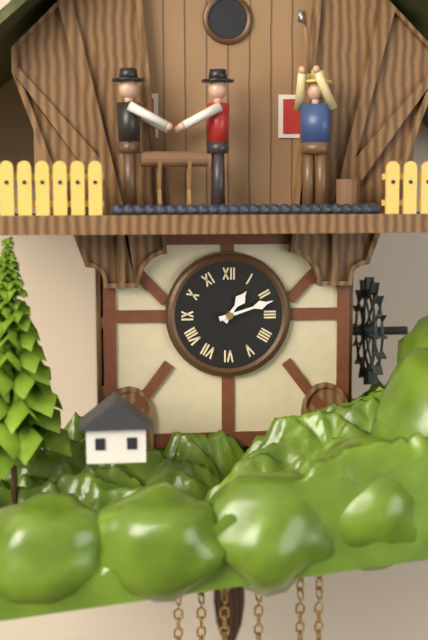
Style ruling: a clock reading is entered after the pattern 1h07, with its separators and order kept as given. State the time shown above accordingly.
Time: 1h12
